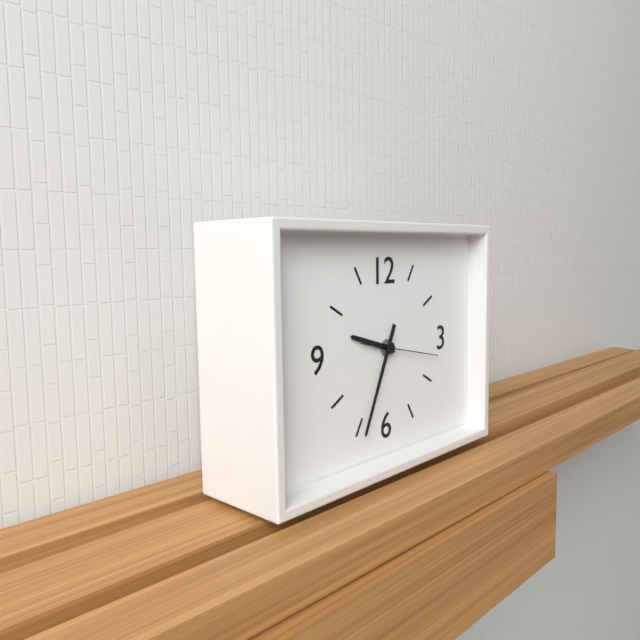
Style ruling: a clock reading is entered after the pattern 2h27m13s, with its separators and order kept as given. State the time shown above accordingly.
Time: 9h34m17s
